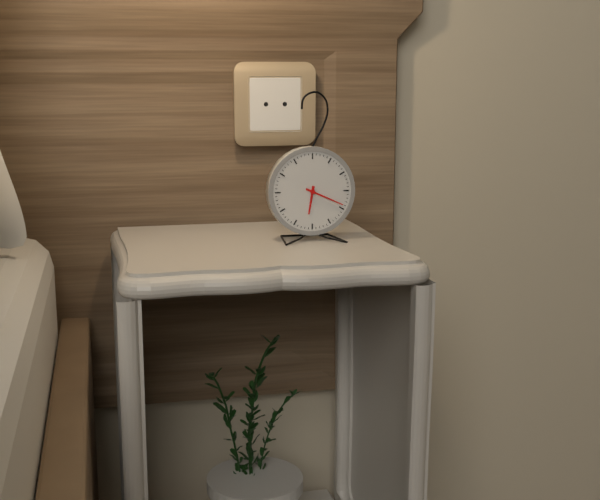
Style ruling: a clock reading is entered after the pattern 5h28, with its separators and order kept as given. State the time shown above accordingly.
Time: 6h19
